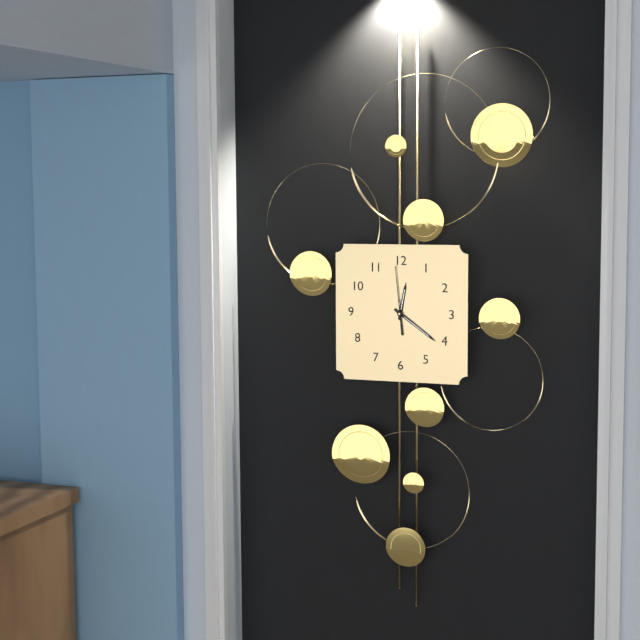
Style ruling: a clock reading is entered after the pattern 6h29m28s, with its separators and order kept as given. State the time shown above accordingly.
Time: 12h21m59s
